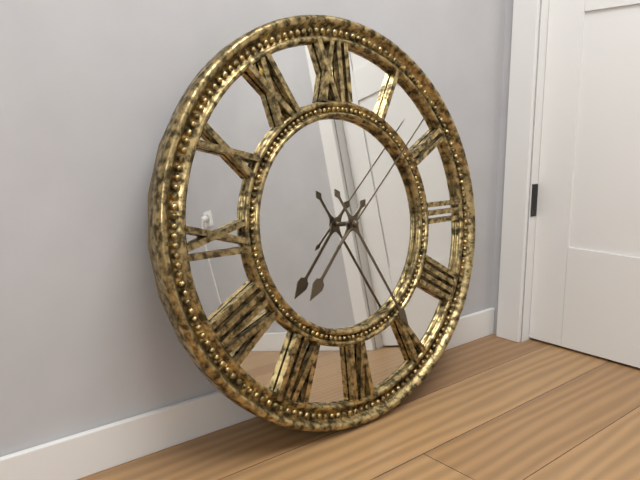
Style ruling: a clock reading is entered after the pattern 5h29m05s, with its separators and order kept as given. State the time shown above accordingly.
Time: 7h25m08s
